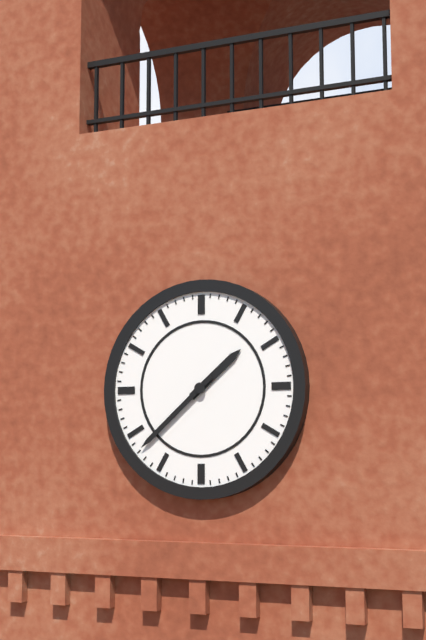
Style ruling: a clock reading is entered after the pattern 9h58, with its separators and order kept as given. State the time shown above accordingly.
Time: 1h38
